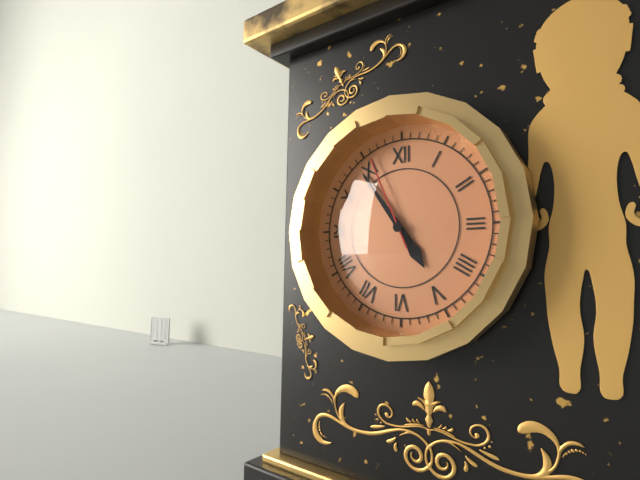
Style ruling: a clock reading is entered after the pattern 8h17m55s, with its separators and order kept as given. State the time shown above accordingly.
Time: 4h54m56s
